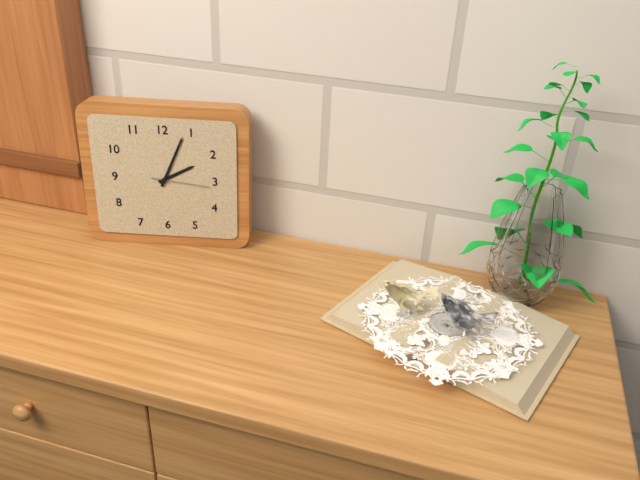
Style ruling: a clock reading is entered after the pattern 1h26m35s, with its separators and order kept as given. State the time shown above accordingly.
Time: 2h04m16s
